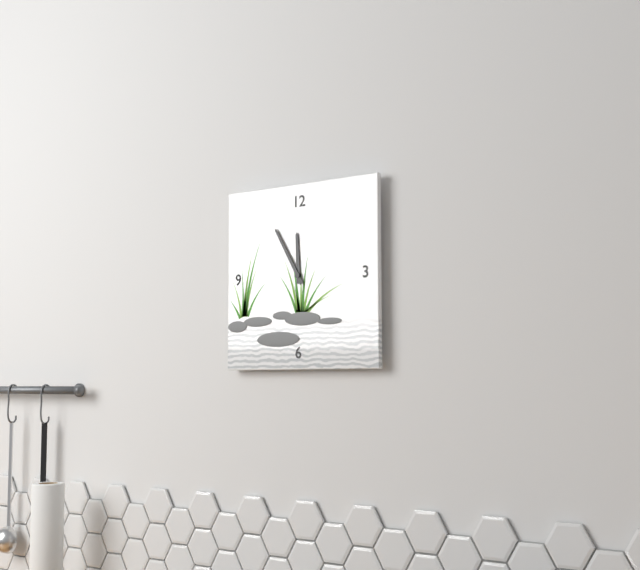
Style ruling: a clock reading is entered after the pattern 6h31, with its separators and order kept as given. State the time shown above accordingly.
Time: 11h55
